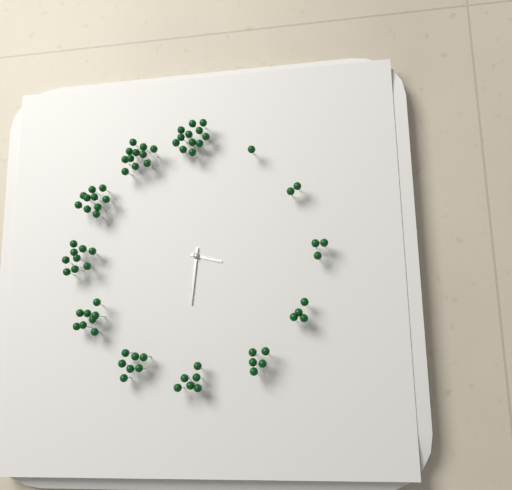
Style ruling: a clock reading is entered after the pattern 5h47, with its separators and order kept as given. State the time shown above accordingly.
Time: 3h31
